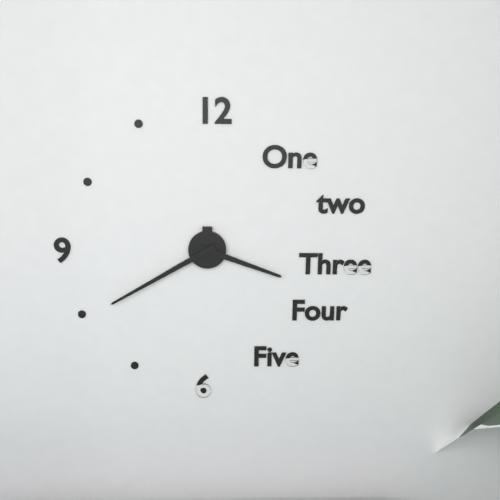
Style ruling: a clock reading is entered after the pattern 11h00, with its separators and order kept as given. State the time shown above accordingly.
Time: 3h40
